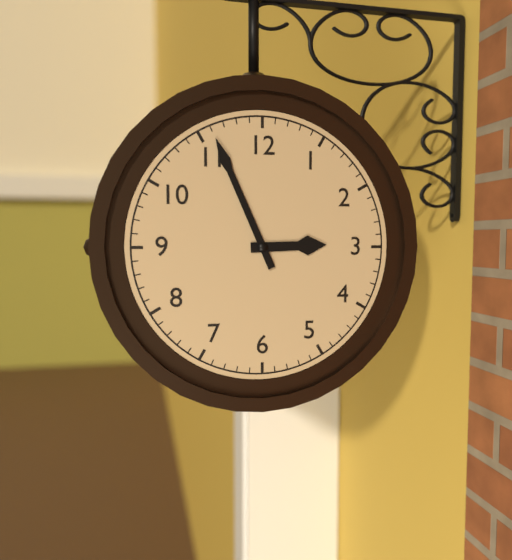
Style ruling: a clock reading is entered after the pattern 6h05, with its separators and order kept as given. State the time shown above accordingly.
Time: 2h56
